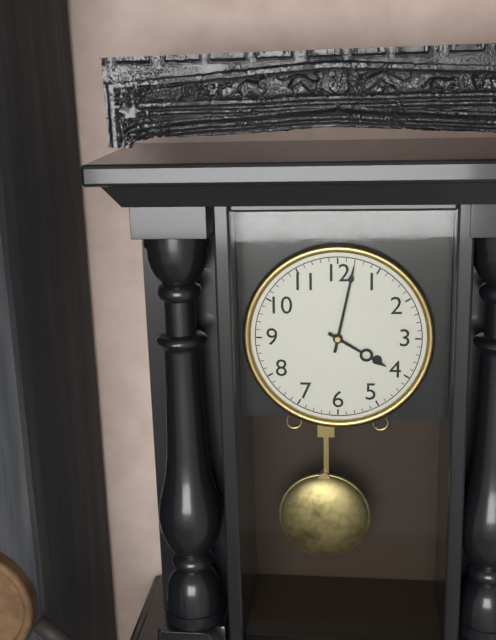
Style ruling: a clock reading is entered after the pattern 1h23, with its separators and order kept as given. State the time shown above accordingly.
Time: 4h02
